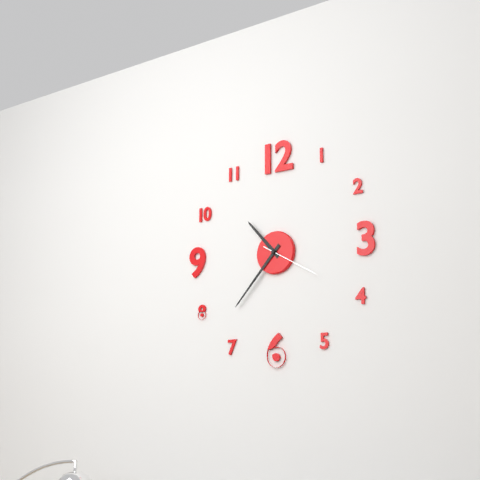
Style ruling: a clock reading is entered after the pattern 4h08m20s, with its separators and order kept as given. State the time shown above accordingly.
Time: 10h37m20s
